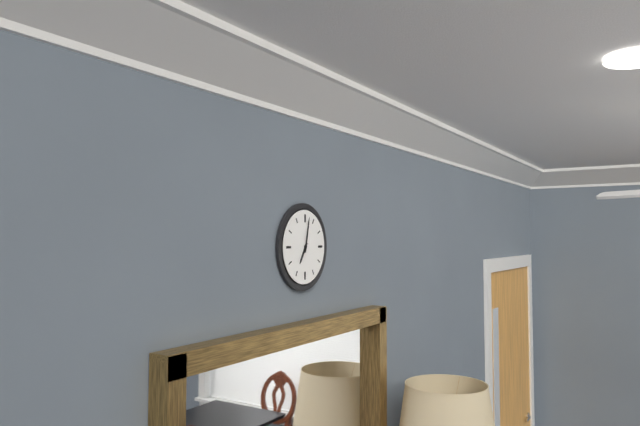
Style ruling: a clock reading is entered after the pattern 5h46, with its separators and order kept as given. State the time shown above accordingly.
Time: 7h02
